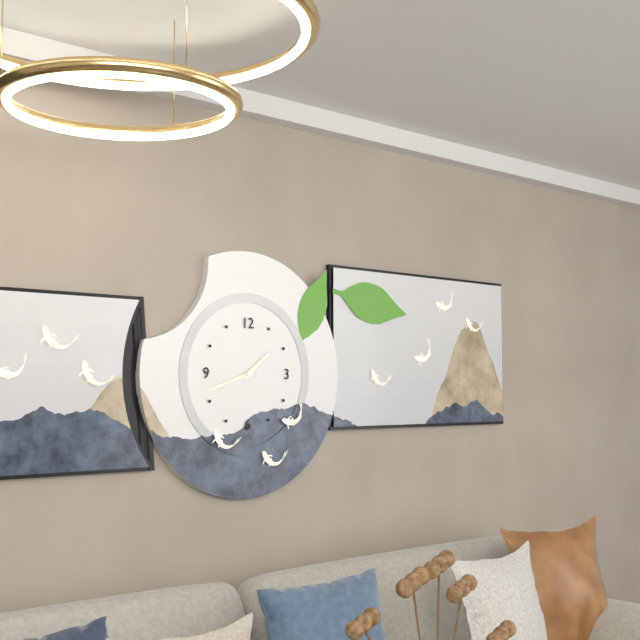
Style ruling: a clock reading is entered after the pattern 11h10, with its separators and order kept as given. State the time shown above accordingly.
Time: 1h42
